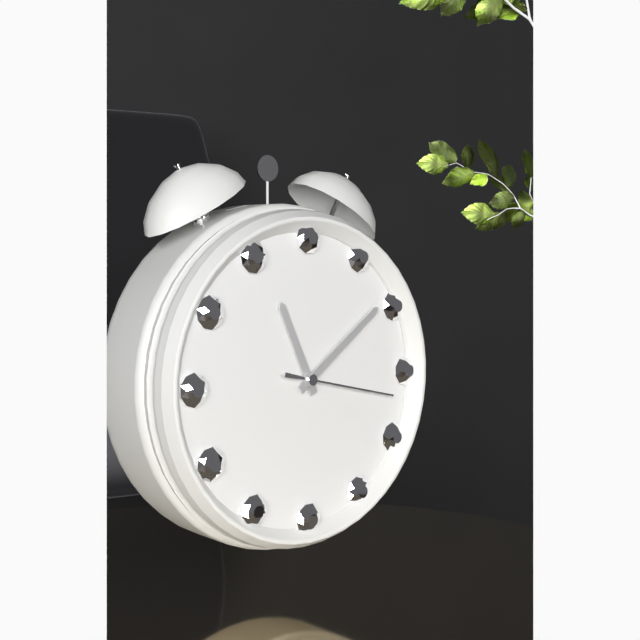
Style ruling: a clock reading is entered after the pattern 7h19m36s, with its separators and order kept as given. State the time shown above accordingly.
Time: 11h09m17s
